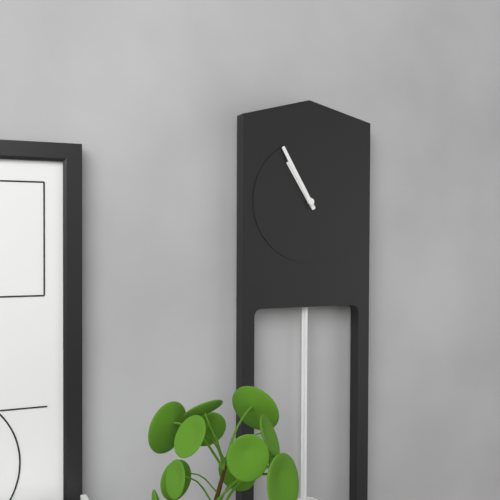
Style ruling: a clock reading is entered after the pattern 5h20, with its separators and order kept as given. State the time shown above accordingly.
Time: 10h55
